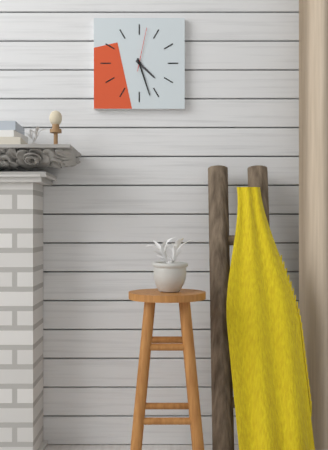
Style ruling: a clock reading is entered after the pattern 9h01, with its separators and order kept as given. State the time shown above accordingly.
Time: 4h27
